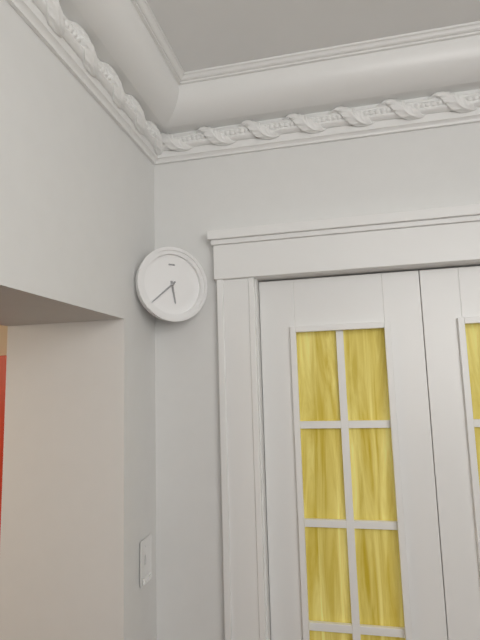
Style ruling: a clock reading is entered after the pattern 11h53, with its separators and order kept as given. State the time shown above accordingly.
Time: 5h38
